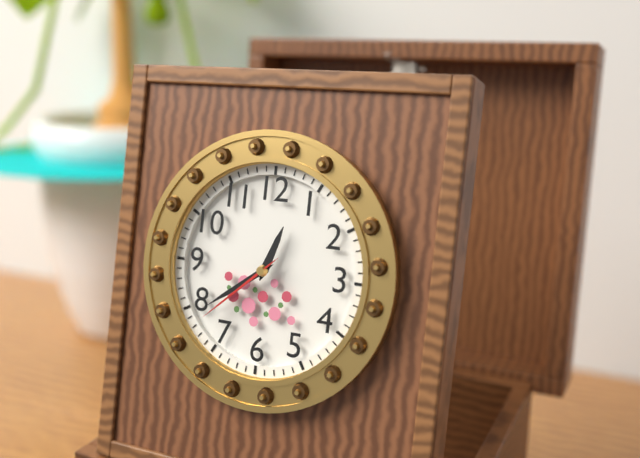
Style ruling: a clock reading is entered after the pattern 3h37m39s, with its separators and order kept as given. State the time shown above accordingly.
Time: 12h39m38s
